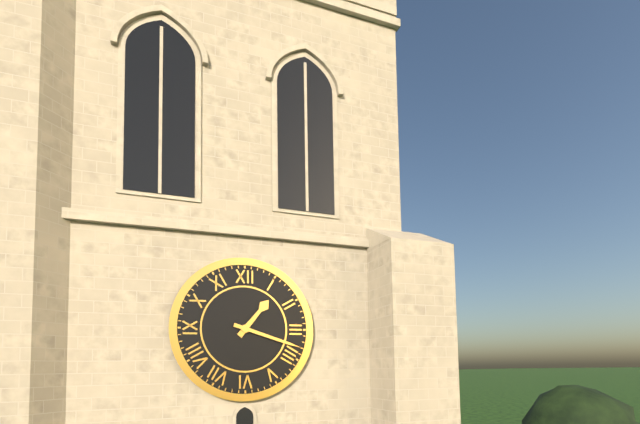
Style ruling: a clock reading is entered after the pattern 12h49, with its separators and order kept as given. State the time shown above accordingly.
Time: 1h18
